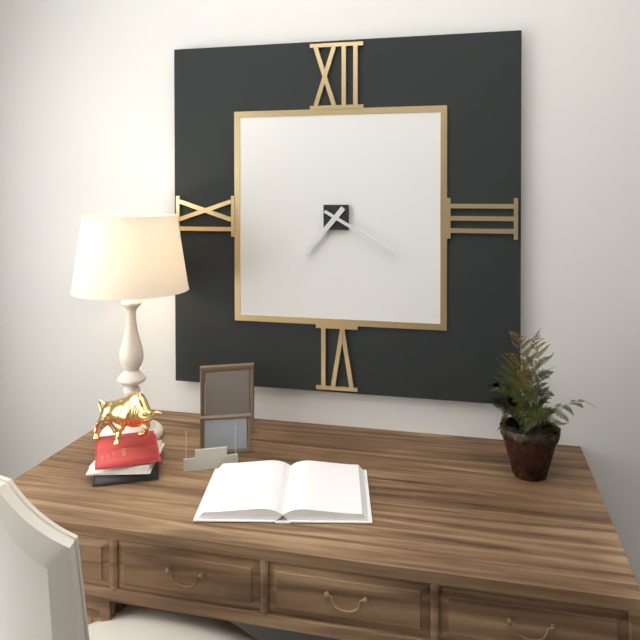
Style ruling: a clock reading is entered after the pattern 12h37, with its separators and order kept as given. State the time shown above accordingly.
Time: 7h20
